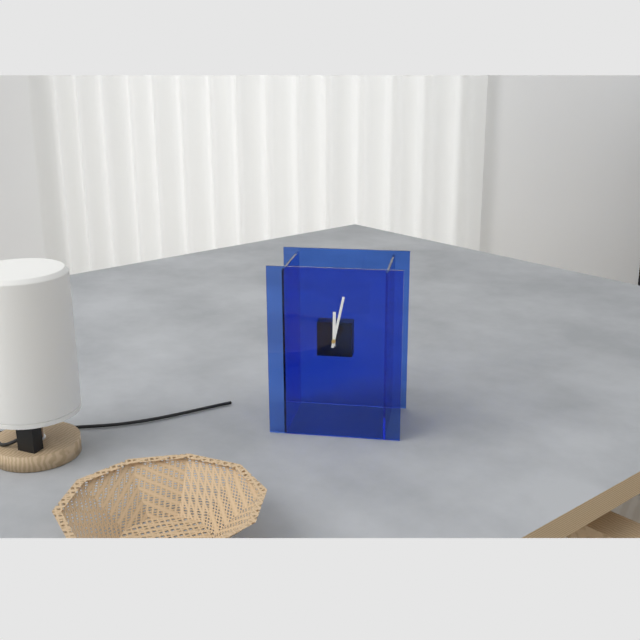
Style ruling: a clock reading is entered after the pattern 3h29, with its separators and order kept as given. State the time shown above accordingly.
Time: 12h02
